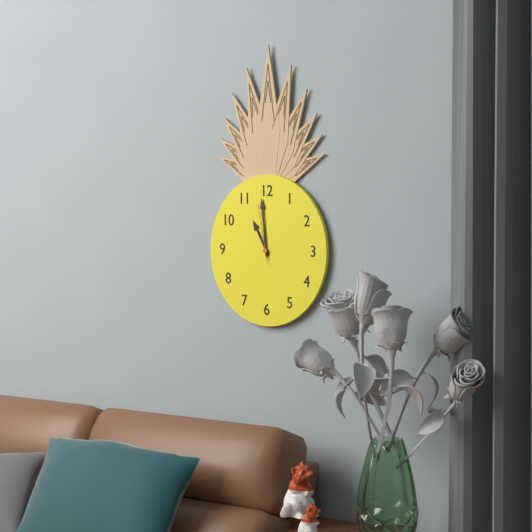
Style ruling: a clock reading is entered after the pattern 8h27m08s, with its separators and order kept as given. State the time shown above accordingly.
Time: 10h59m58s
